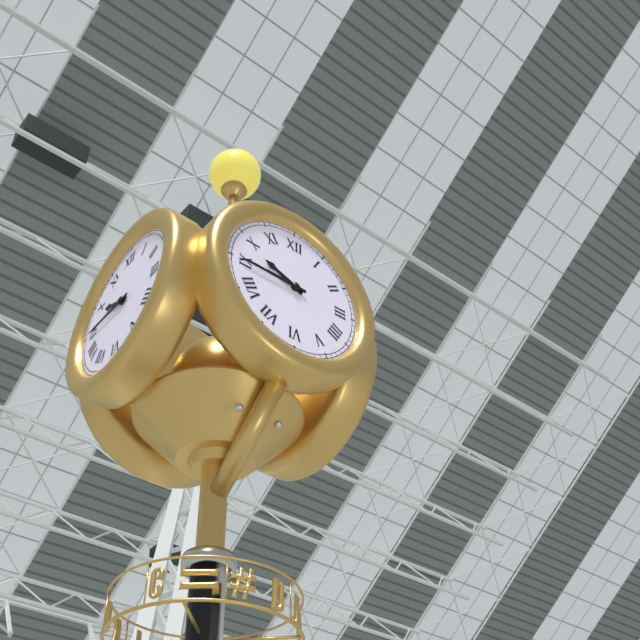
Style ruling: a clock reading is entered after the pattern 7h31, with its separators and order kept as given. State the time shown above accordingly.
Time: 9h45
